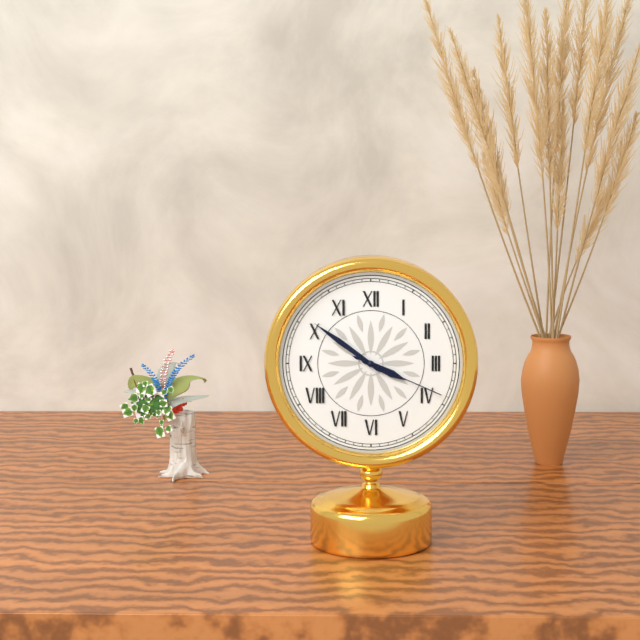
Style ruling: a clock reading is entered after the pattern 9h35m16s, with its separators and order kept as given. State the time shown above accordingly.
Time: 3h51m19s
